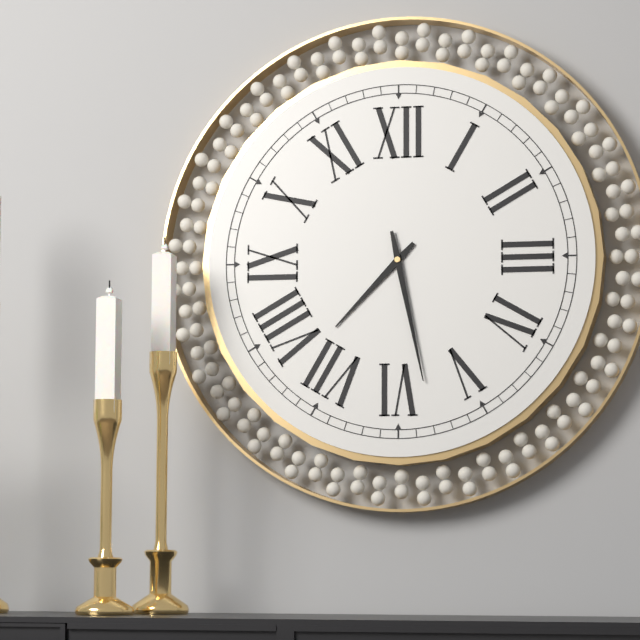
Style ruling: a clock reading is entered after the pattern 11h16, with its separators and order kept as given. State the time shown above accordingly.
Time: 7h28
